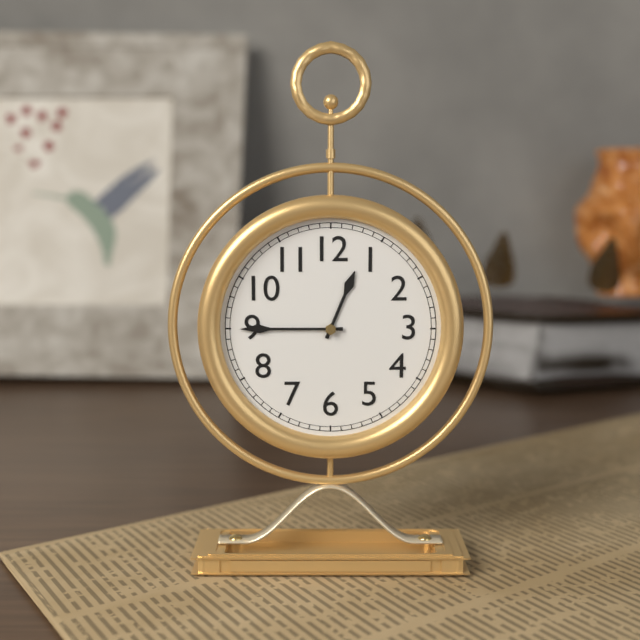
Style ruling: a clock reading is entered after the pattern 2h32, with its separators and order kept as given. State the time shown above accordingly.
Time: 12h45
